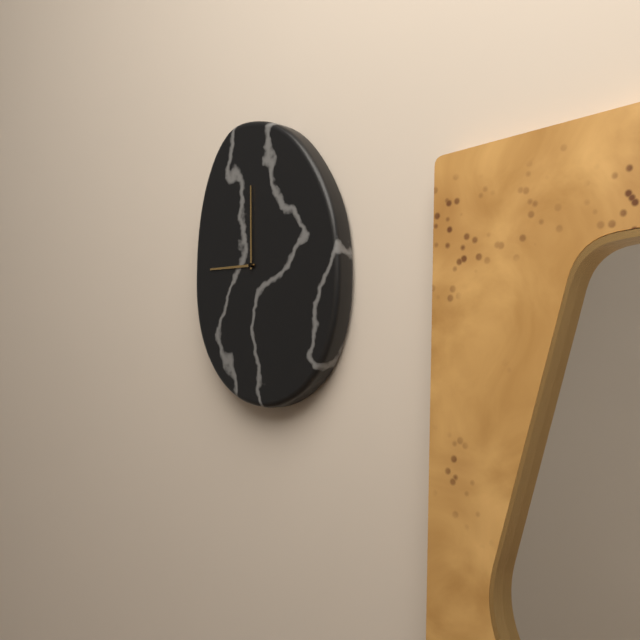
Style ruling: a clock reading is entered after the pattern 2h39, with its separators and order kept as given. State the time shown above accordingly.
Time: 9h00
